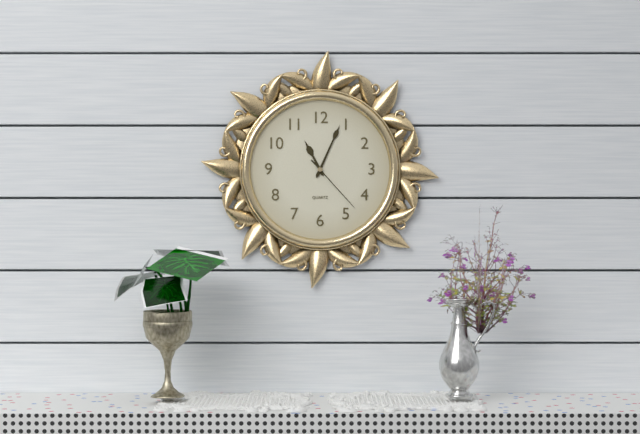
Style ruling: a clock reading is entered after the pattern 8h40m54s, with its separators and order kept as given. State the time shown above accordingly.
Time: 11h04m23s
